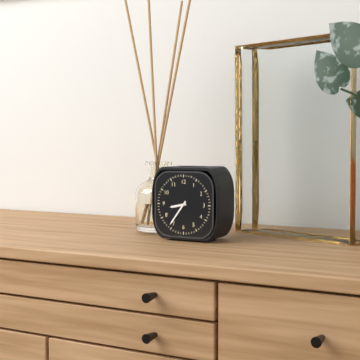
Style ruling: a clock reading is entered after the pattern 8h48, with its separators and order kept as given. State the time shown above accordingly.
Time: 8h36
